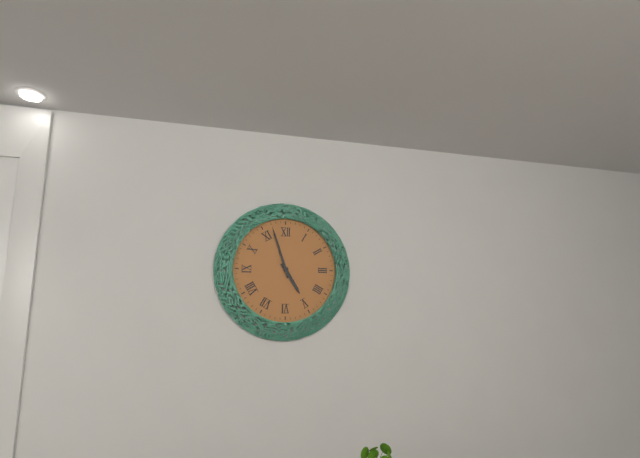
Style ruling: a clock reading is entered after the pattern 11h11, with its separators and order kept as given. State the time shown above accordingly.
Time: 4h57
